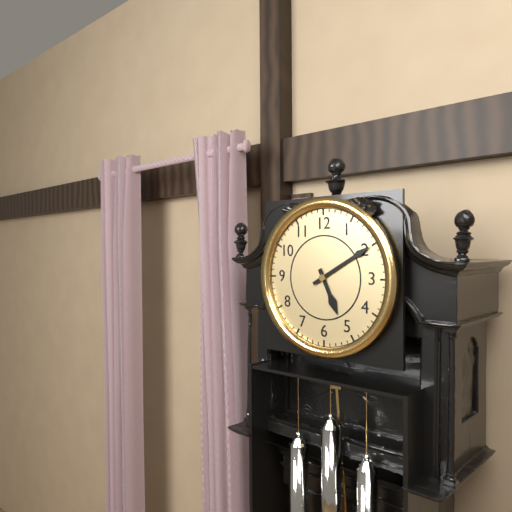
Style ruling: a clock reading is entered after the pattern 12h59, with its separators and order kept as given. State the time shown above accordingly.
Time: 5h10
